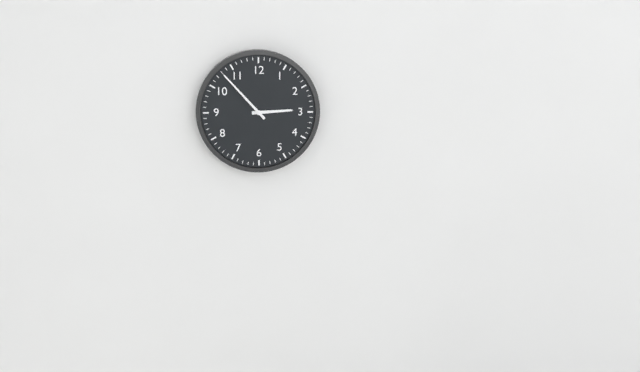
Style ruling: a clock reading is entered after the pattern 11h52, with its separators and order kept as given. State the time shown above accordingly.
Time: 2h53
